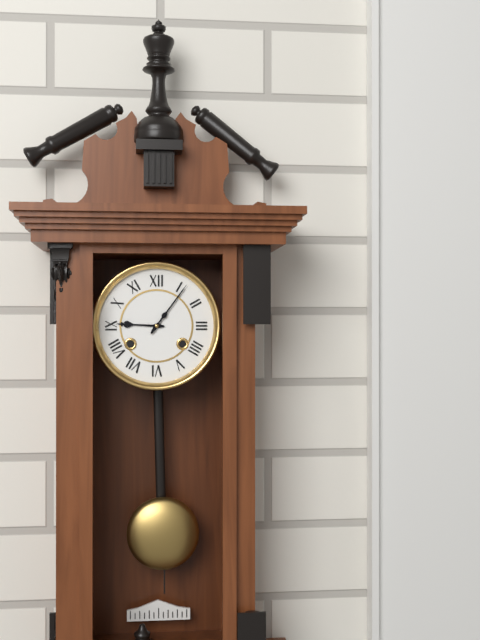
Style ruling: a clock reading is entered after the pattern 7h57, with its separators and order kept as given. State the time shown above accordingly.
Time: 9h06
